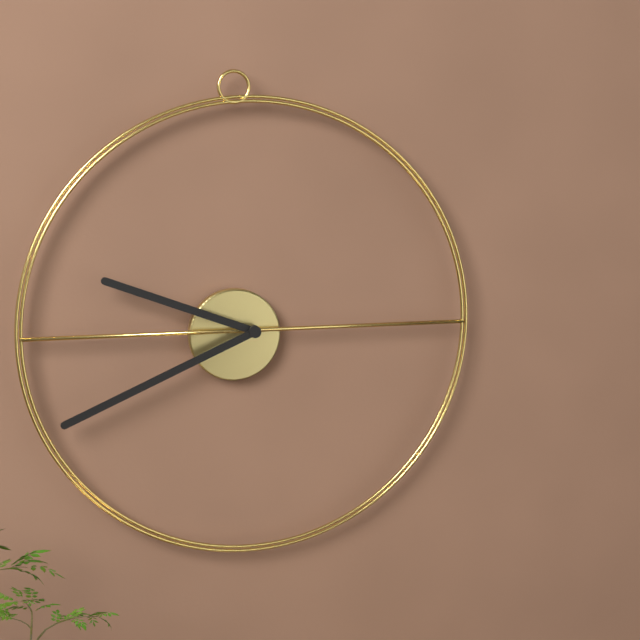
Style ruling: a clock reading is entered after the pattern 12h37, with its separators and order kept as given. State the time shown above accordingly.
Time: 9h41
